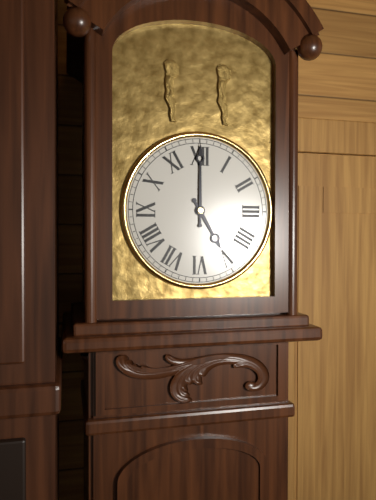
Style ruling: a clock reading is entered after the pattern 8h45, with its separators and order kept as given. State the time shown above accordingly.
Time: 5h00
